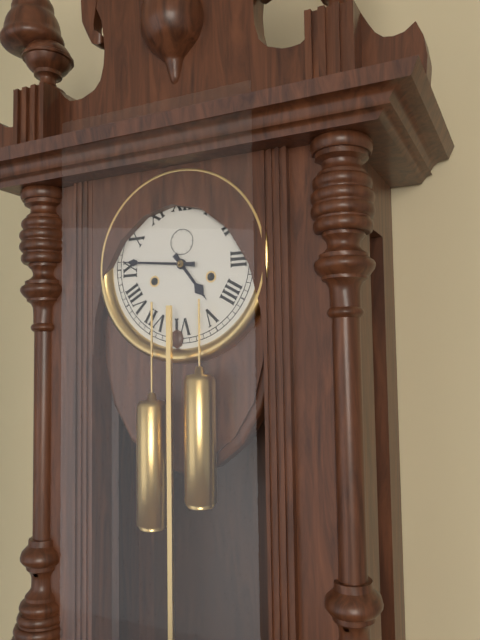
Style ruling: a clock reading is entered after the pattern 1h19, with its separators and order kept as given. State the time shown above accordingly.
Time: 4h46
